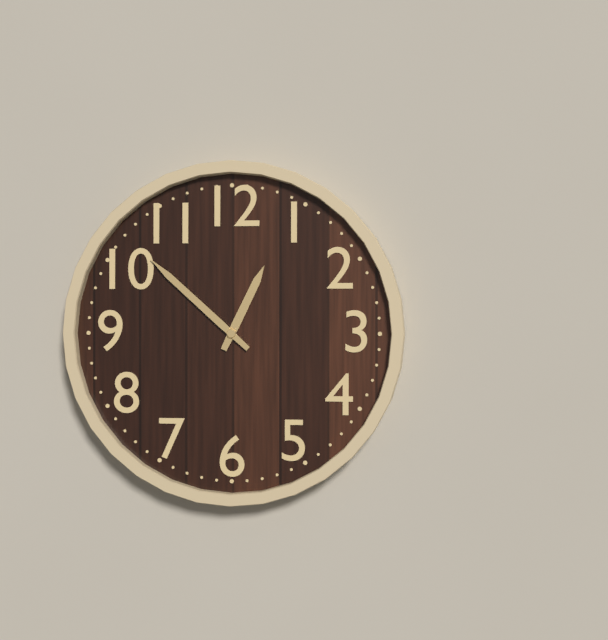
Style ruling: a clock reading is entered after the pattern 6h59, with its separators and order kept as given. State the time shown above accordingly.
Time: 12h52
